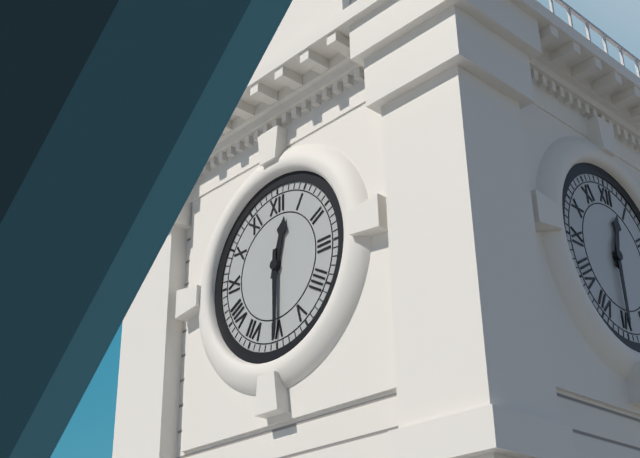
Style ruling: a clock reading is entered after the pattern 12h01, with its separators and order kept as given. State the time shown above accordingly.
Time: 12h30
